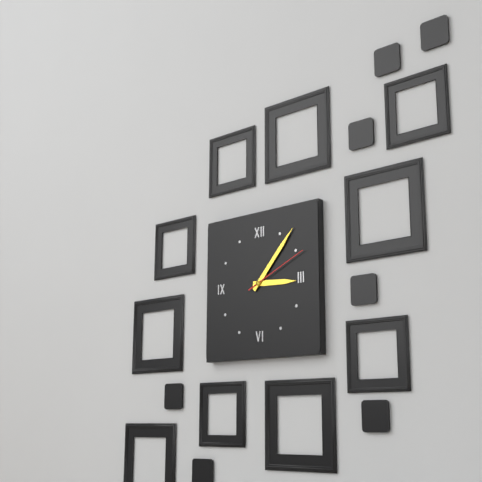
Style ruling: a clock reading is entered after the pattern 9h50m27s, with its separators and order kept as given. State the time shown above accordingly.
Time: 3h07m11s
